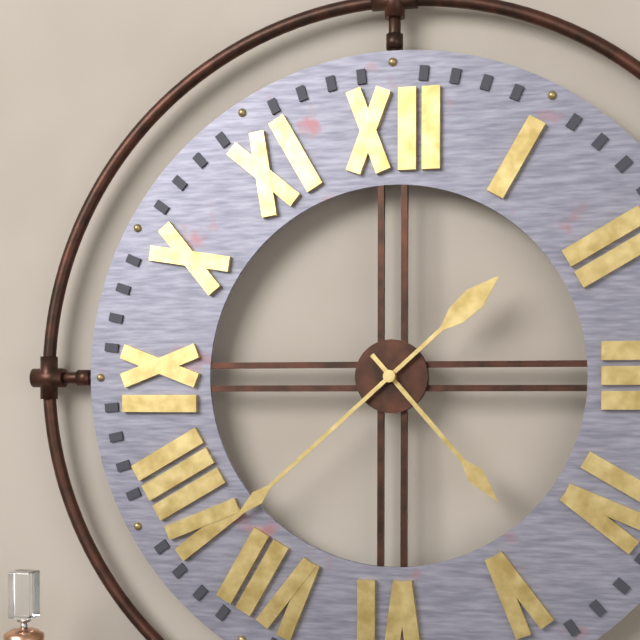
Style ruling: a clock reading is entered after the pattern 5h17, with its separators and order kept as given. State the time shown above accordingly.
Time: 4h38
